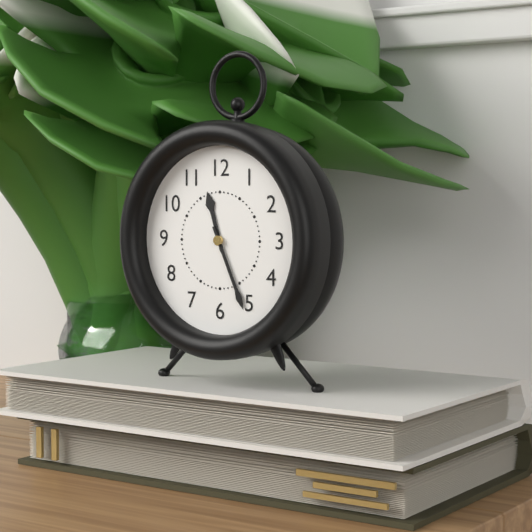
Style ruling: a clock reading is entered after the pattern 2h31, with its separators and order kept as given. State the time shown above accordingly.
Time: 11h26
